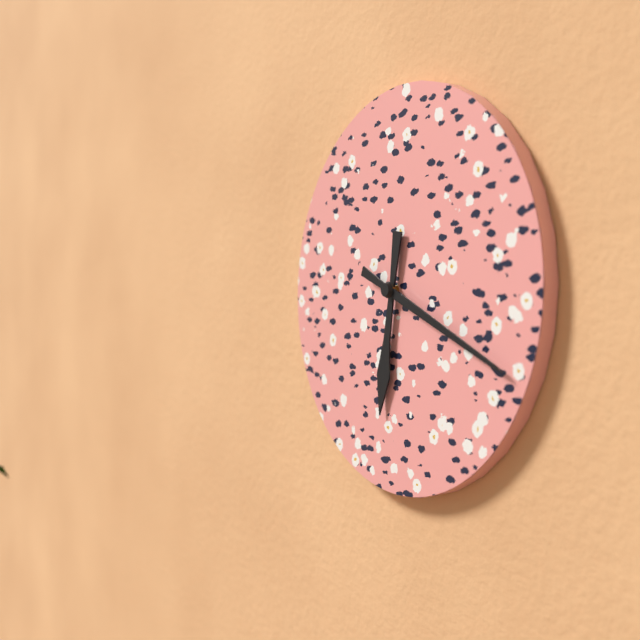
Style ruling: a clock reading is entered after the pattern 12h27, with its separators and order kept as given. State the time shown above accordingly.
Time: 6h19
